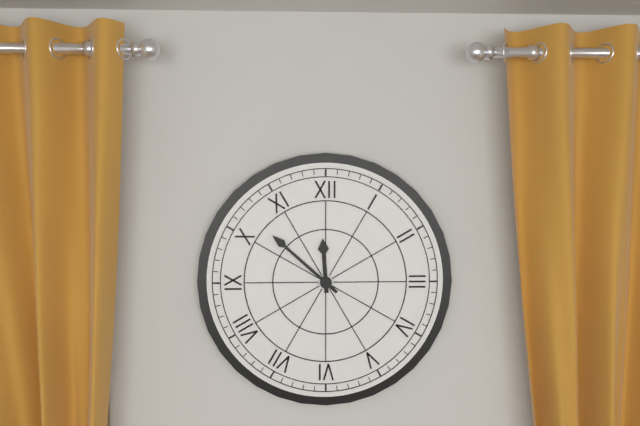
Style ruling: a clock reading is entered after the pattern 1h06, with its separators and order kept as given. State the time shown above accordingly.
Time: 11h52
